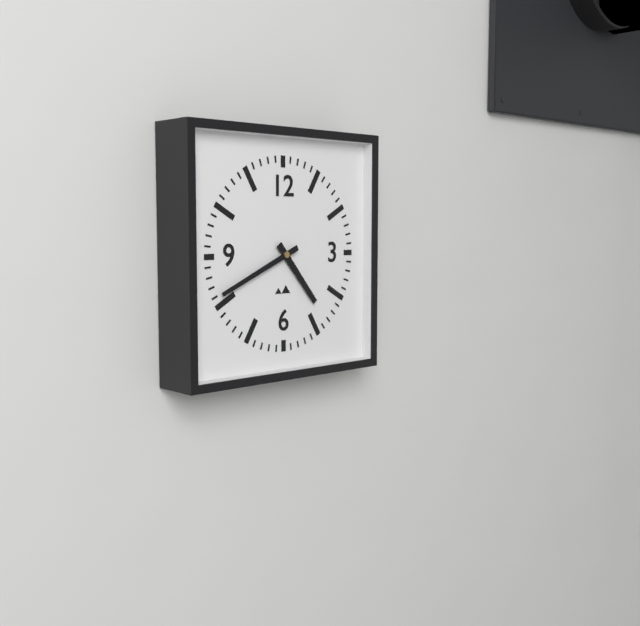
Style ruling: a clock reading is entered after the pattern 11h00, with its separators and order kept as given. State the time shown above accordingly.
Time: 4h41
